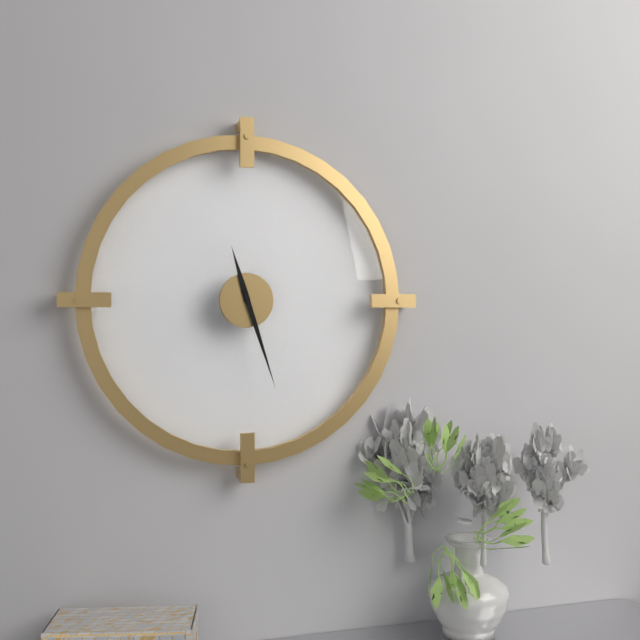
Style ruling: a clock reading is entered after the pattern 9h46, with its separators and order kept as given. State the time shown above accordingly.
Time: 11h27
